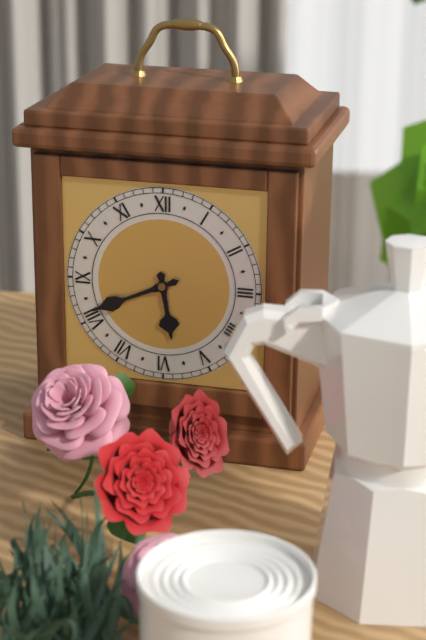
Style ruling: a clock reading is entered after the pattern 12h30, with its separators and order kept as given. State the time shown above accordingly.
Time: 5h41
